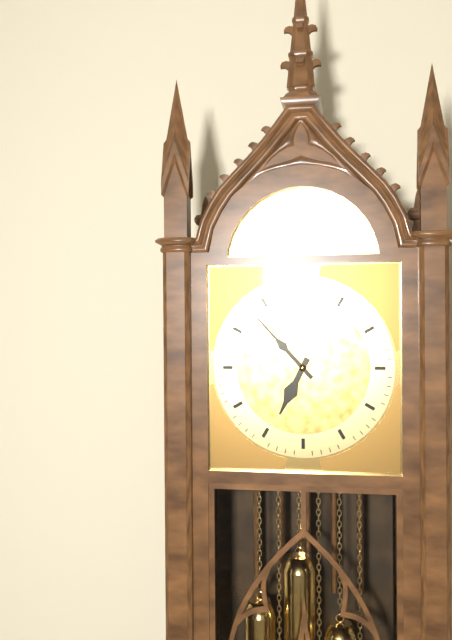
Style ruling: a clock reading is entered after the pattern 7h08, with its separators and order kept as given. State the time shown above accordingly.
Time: 6h53
